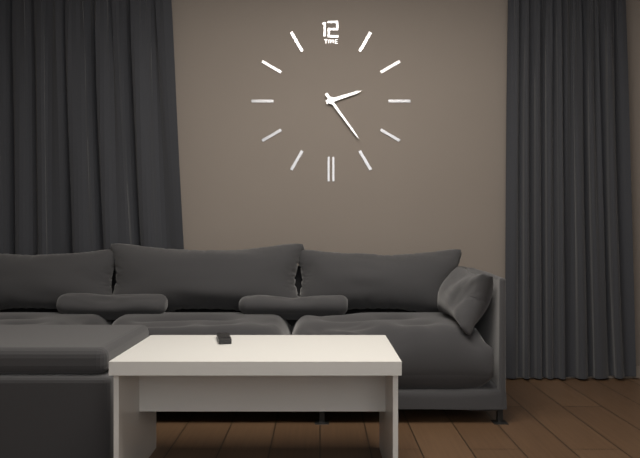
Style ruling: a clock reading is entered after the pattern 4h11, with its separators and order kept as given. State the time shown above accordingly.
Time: 2h24
